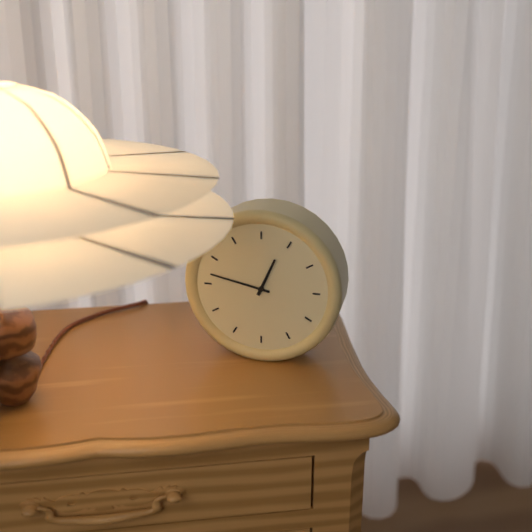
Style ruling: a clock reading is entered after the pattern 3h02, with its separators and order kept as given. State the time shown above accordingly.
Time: 12h47
